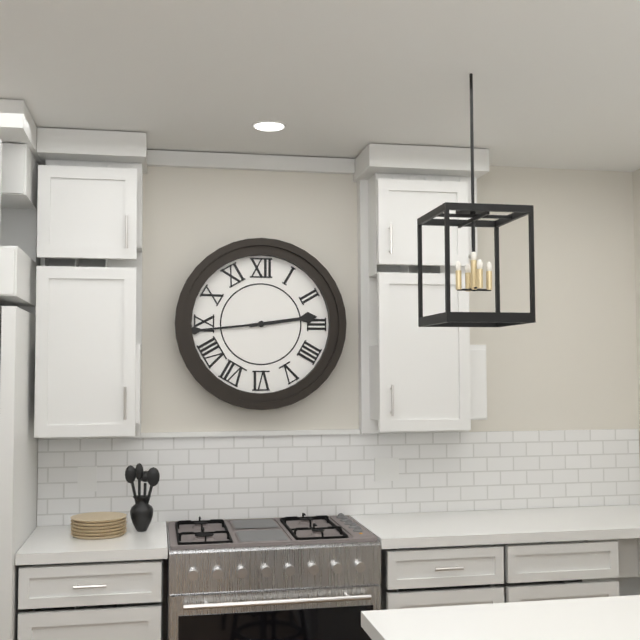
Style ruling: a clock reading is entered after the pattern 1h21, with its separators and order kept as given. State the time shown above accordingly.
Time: 2h44
